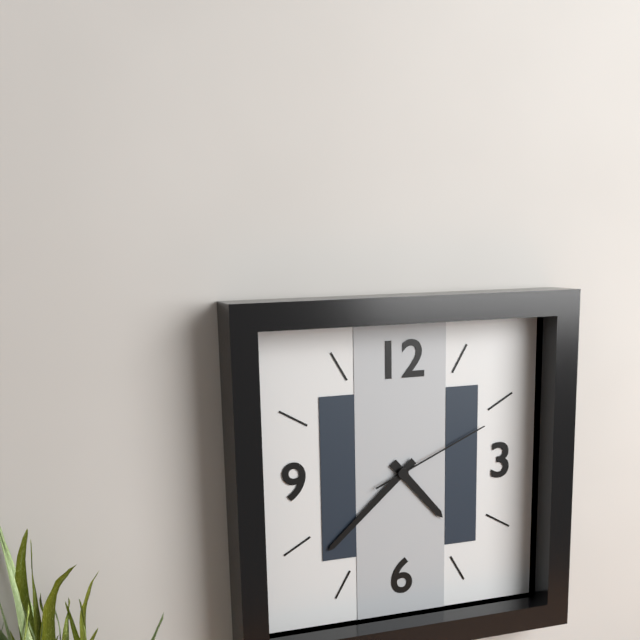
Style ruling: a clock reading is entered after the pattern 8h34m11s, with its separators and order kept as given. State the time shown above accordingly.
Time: 4h38m11s
